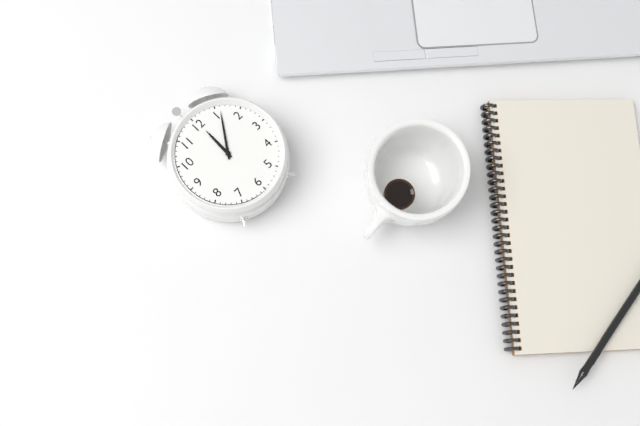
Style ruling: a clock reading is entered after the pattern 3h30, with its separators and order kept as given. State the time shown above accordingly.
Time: 12h06
